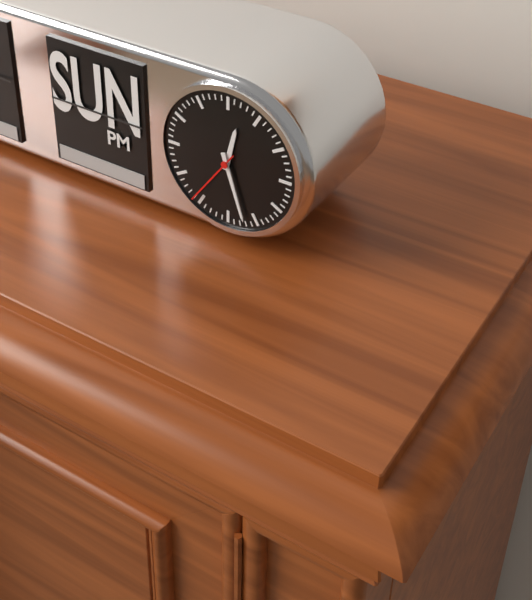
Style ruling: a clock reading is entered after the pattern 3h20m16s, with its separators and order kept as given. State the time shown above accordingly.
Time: 12h27m36s
